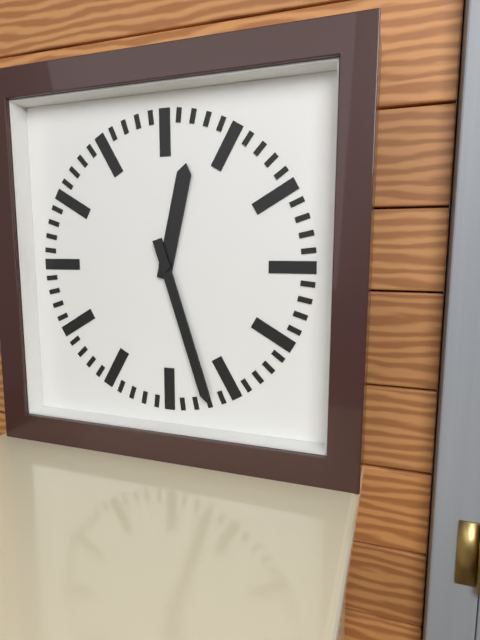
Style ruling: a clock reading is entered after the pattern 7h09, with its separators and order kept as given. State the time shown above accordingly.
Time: 12h27
